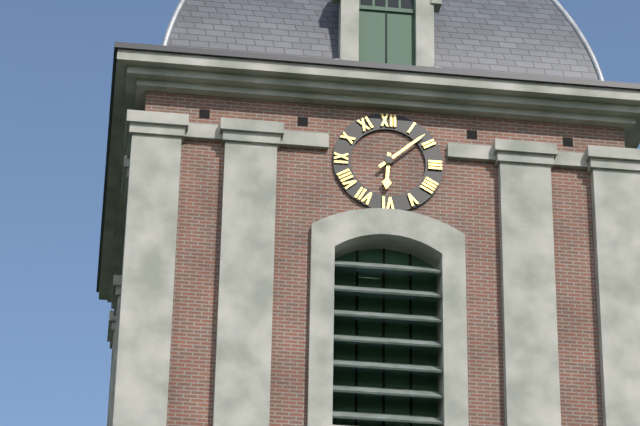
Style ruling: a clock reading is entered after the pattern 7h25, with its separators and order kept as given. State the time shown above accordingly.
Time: 6h08
